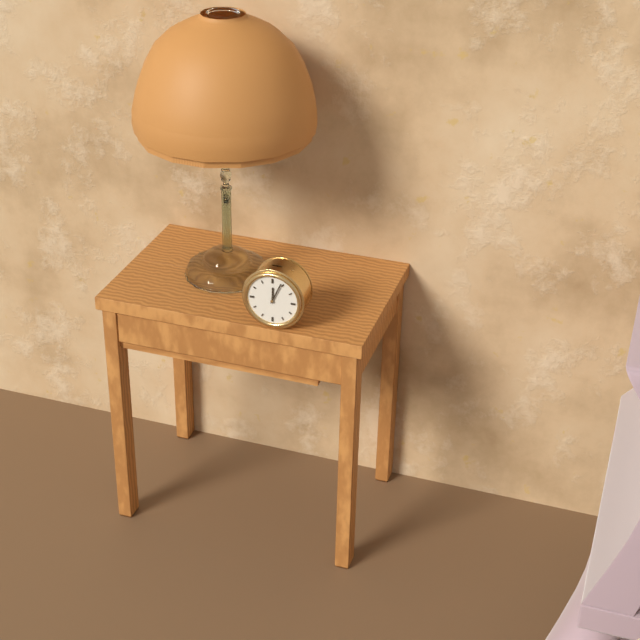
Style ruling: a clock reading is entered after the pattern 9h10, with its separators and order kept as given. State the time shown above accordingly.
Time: 12h04
